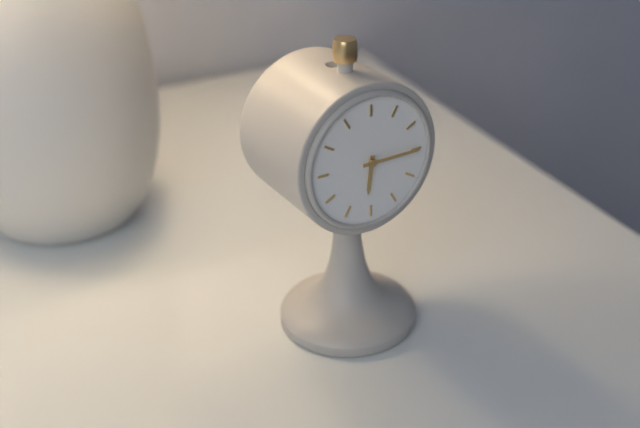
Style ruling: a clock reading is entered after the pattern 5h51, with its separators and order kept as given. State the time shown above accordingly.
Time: 6h15
